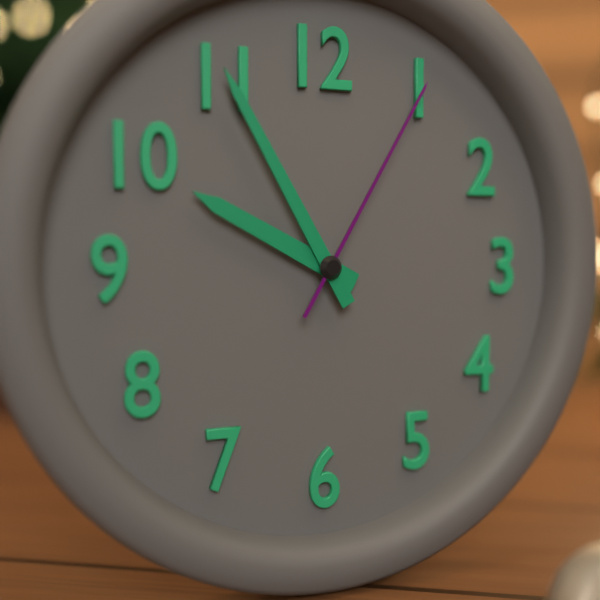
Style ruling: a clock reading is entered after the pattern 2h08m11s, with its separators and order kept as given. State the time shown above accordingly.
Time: 9h55m05s
